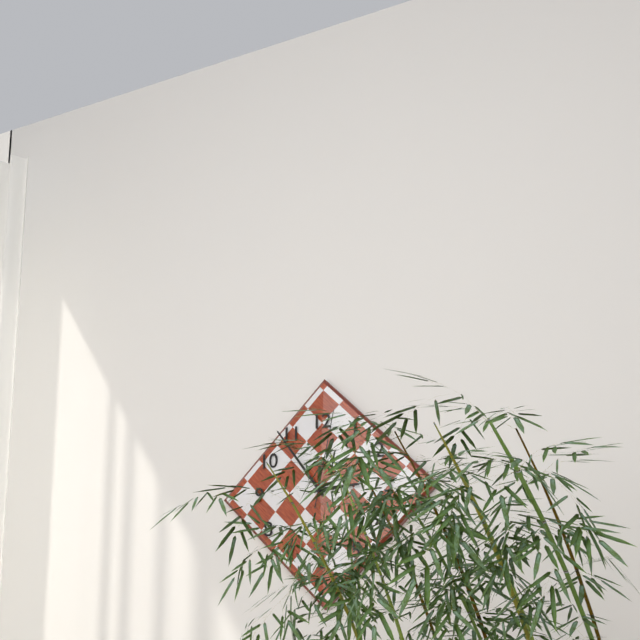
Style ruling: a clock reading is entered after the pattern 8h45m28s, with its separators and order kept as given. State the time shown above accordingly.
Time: 2h54m02s
